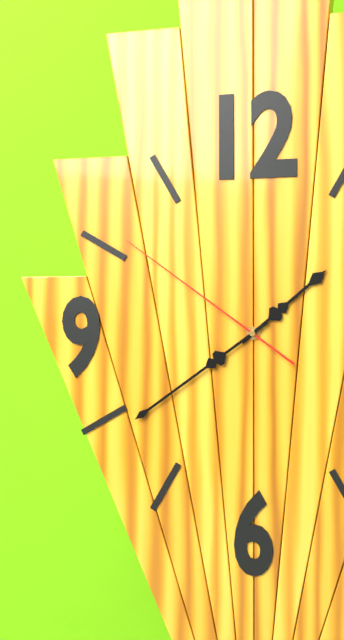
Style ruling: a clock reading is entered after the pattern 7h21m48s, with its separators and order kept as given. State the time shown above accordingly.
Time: 1h39m51s
